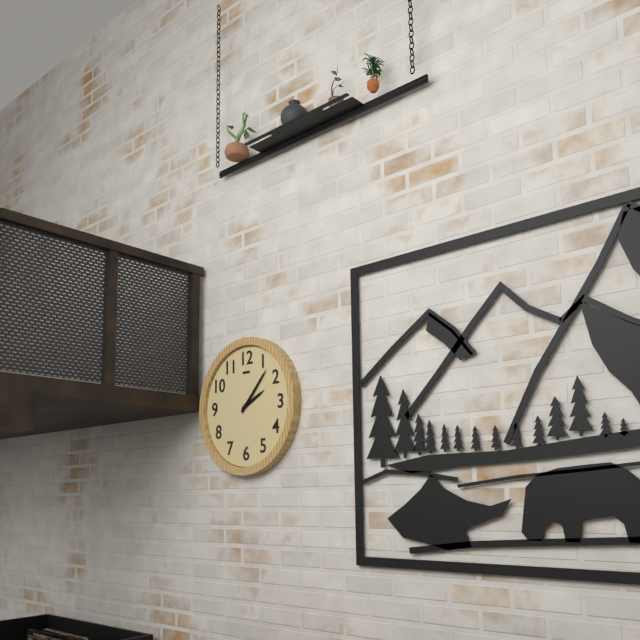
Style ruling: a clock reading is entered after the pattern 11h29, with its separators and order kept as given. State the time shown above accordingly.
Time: 2h07
